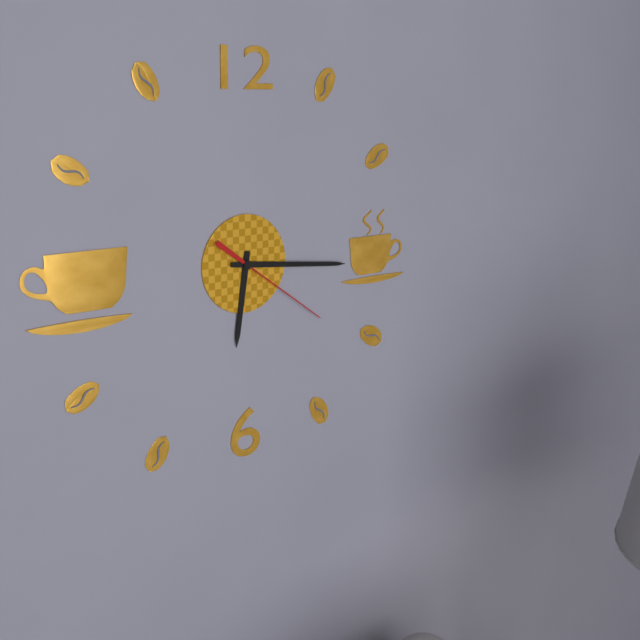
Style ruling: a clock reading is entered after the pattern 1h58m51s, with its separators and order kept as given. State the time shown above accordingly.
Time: 6h16m21s
